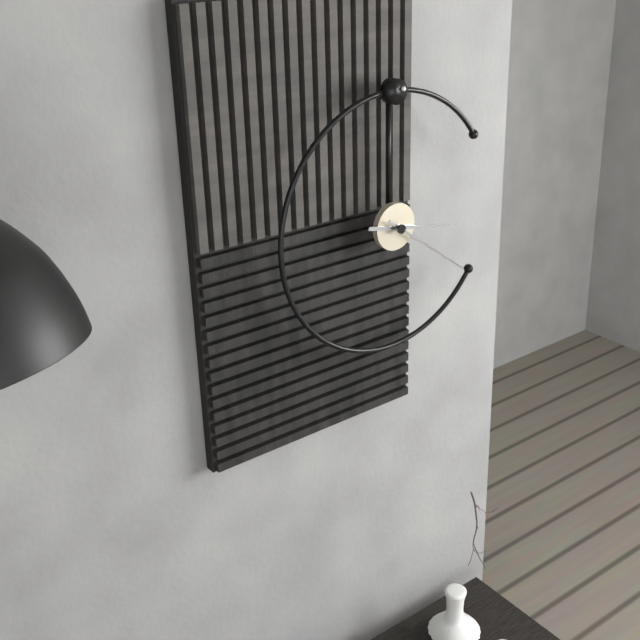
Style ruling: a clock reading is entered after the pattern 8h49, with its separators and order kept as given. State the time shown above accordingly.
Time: 3h21
